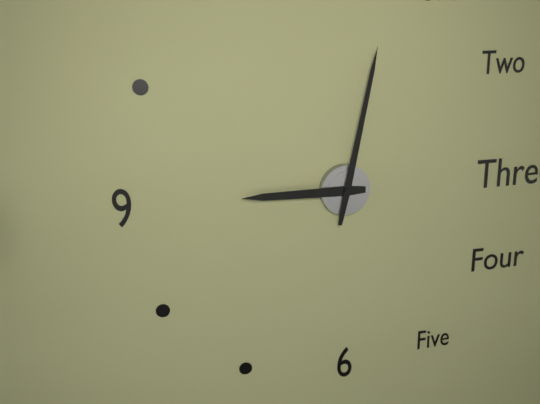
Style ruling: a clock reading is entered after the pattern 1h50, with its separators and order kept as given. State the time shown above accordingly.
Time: 9h02
